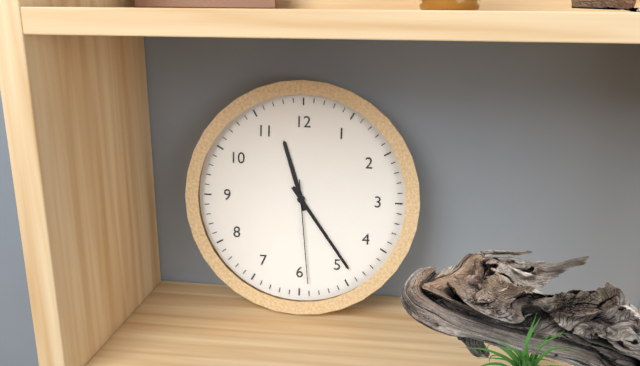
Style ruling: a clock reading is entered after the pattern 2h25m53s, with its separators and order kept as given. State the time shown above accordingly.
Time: 11h24m29s
